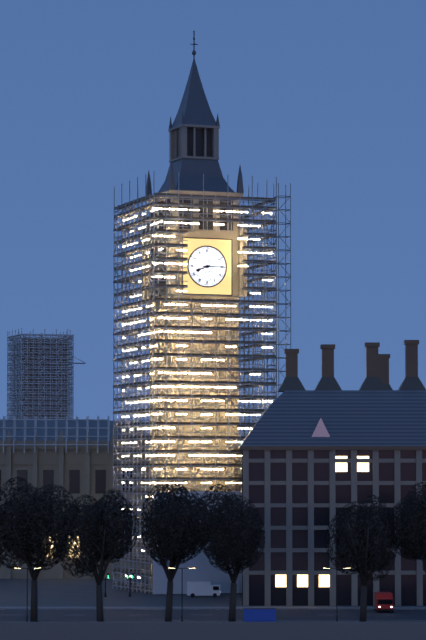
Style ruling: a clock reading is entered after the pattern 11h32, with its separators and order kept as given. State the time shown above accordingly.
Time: 8h15
